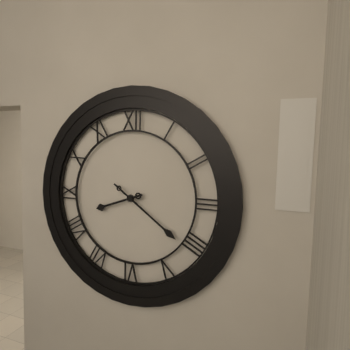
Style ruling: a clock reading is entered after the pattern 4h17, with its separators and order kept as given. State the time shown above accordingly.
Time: 8h21
